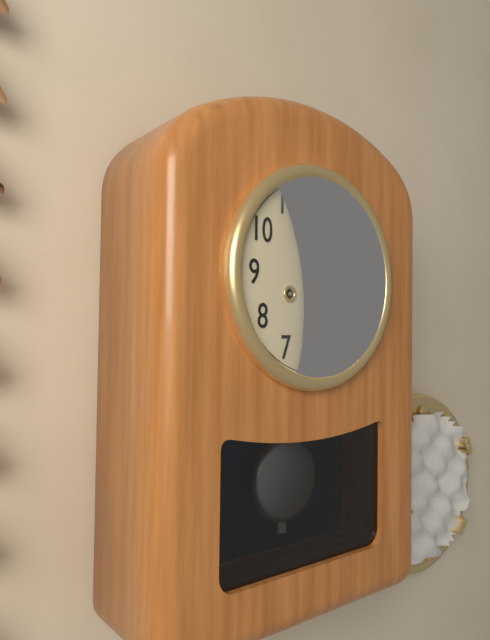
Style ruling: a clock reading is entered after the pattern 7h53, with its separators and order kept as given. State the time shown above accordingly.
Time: 1h10
